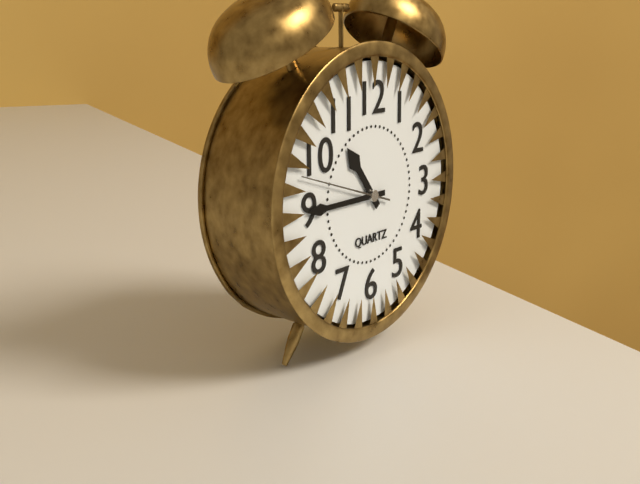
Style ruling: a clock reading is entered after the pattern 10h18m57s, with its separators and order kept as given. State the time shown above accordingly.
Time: 10h45m48s
